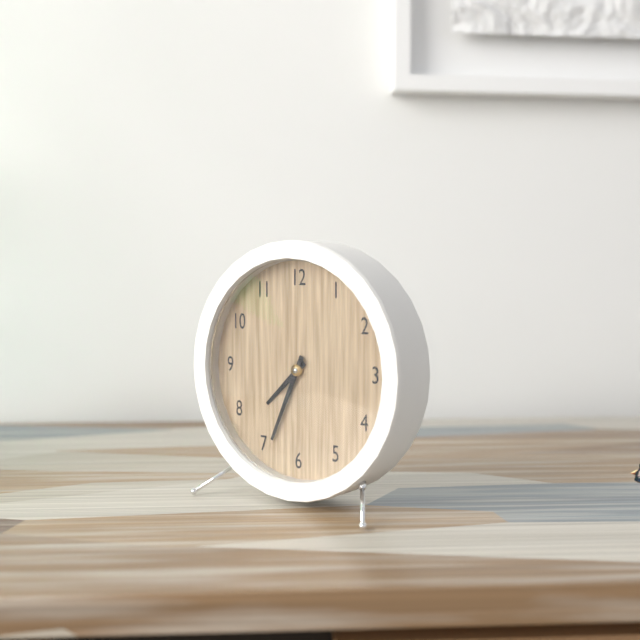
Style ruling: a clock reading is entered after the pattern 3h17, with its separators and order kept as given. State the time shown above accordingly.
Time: 7h34
